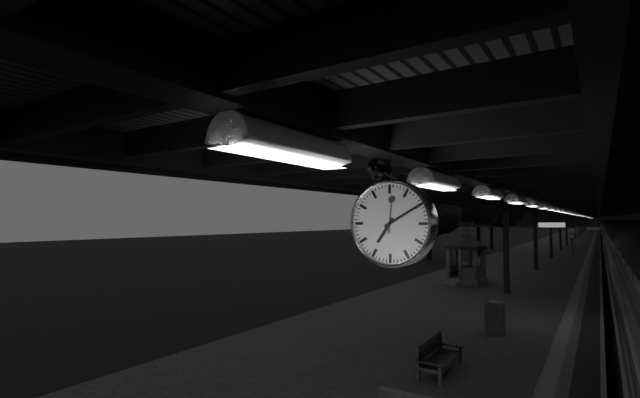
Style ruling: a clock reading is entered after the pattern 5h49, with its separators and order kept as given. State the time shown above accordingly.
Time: 7h10
